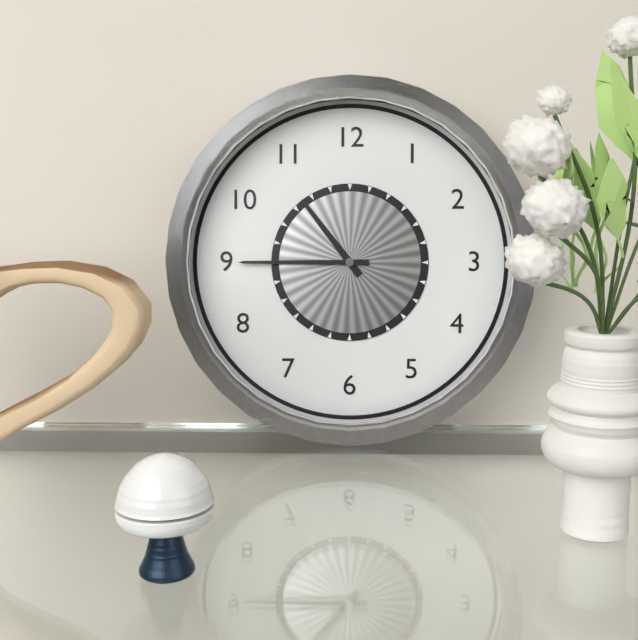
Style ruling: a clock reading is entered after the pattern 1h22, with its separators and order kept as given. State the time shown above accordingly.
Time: 10h45
